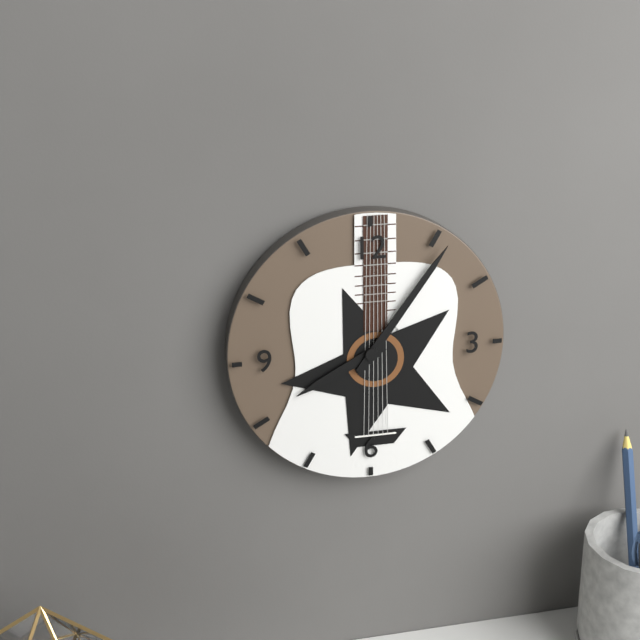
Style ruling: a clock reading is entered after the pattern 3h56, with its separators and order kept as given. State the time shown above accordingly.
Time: 8h06
